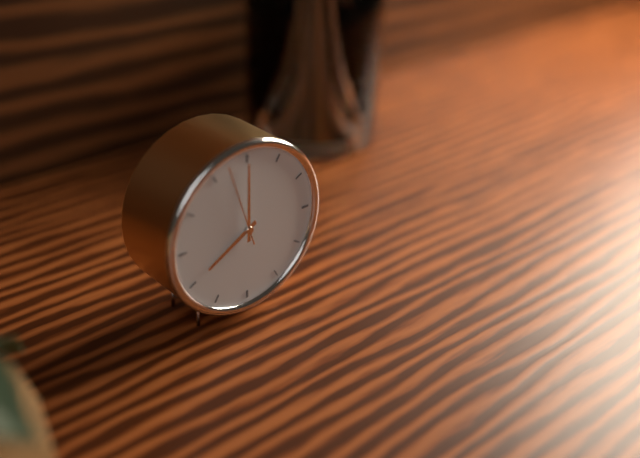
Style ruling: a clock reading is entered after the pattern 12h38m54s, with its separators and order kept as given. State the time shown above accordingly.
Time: 8h00m57s
